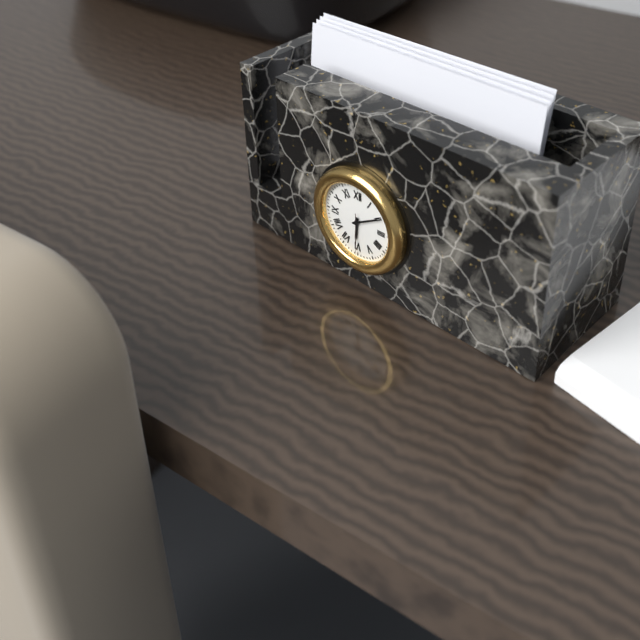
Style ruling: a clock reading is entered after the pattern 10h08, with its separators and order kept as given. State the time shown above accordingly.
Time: 6h10
